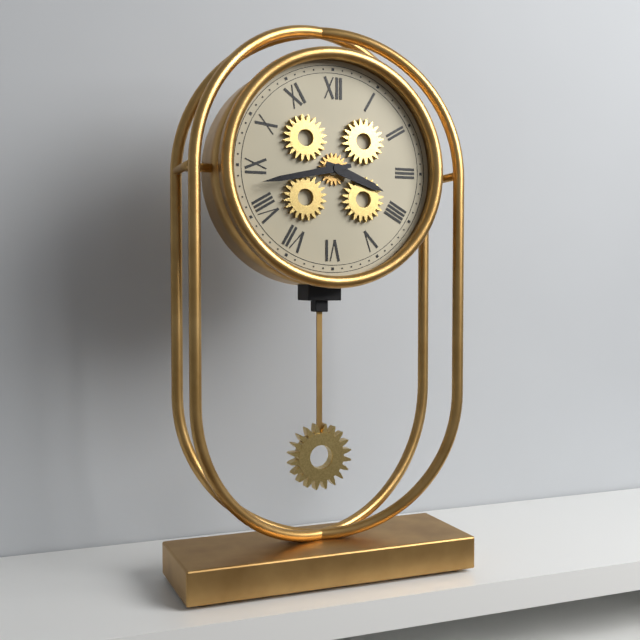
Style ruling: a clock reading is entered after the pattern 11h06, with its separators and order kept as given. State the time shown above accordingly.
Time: 3h43
